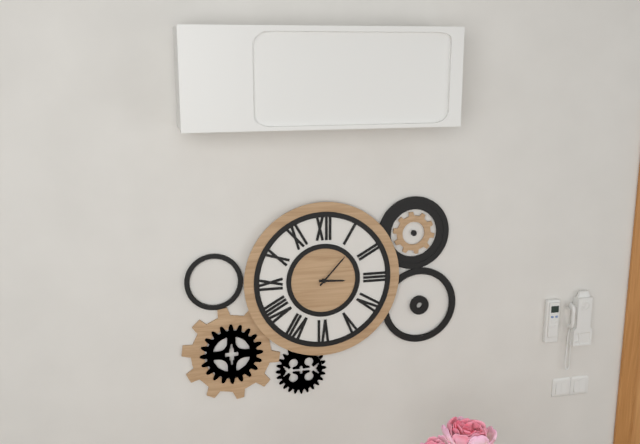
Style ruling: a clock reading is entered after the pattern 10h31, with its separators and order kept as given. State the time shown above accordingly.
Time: 3h07
